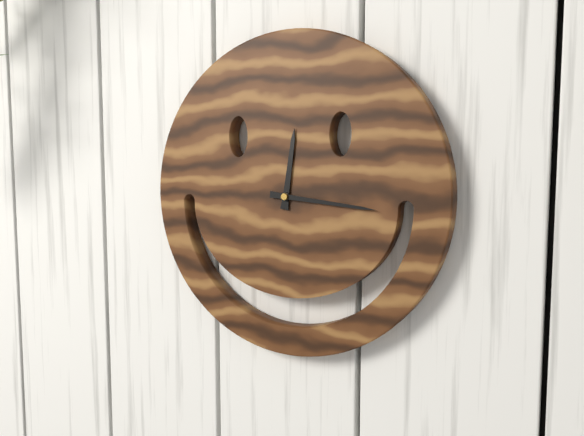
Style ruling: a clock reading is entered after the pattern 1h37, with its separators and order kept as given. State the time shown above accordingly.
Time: 12h16
